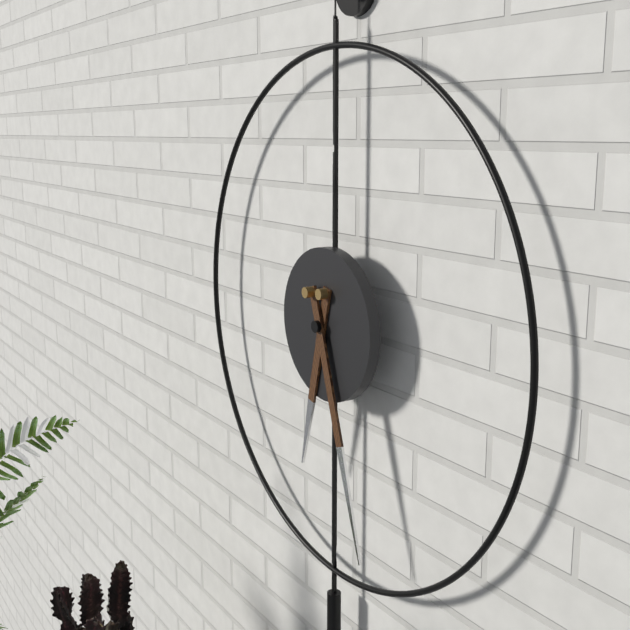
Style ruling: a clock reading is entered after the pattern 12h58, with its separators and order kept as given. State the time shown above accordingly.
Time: 6h27
